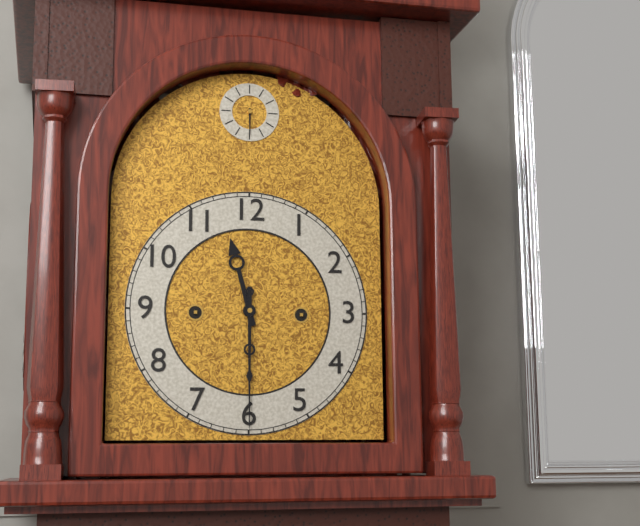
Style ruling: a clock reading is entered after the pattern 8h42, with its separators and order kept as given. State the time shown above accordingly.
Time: 11h30
